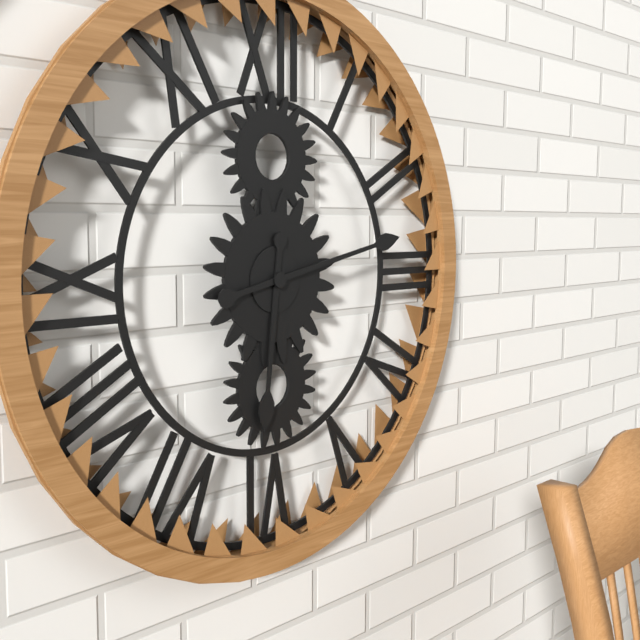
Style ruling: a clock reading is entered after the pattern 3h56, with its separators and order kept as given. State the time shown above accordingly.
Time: 6h13
